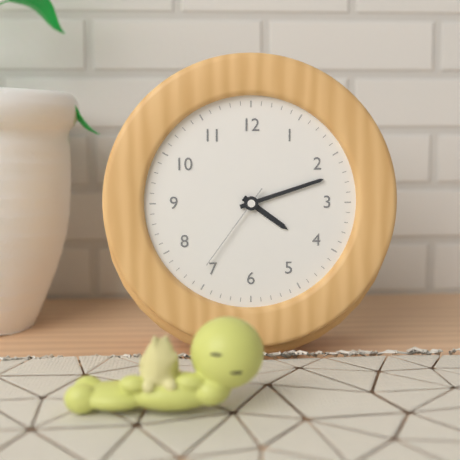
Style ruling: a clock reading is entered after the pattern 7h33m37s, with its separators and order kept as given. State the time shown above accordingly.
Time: 4h12m36s
